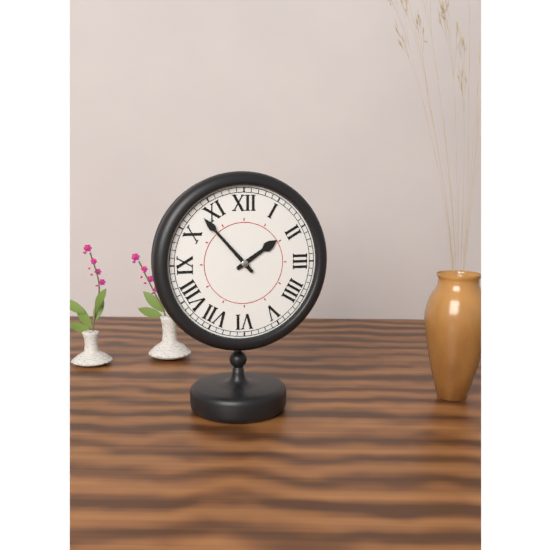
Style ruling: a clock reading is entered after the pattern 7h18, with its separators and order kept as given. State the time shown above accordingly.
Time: 1h53
